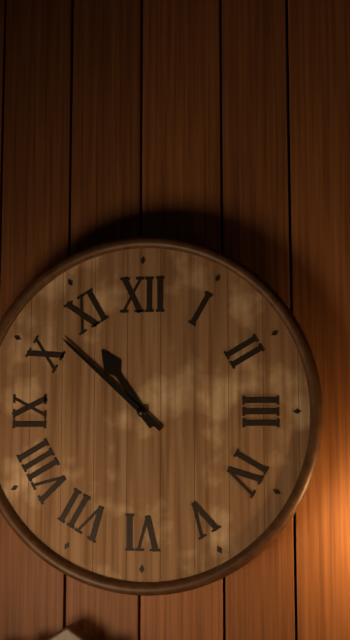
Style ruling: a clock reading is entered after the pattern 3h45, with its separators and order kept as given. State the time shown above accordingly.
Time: 10h52
